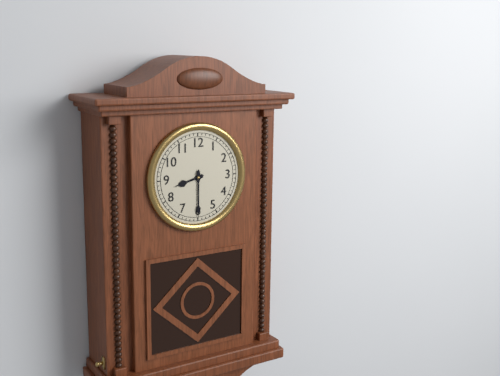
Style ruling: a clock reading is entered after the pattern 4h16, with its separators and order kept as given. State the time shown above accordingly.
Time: 8h30
